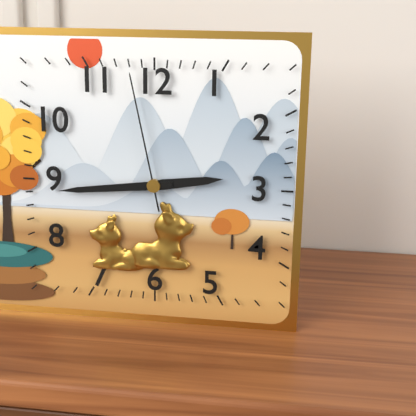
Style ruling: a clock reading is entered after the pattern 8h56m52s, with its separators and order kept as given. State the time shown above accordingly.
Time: 2h44m58s
